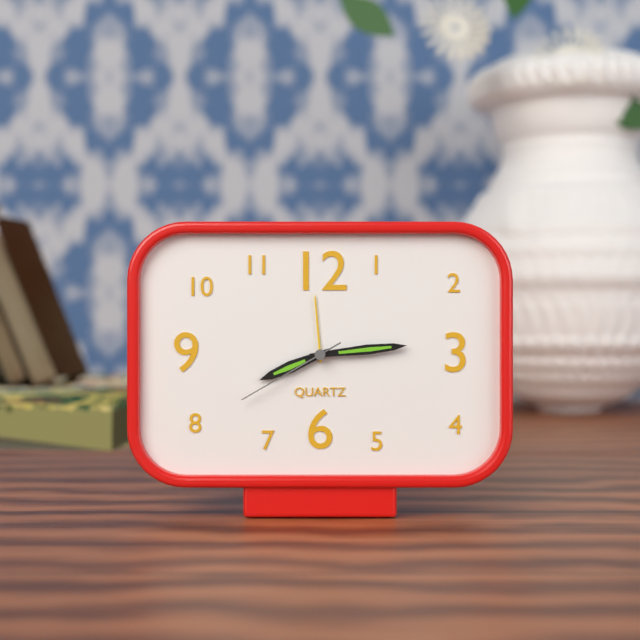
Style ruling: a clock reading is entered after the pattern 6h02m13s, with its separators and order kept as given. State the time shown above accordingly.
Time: 8h14m40s
